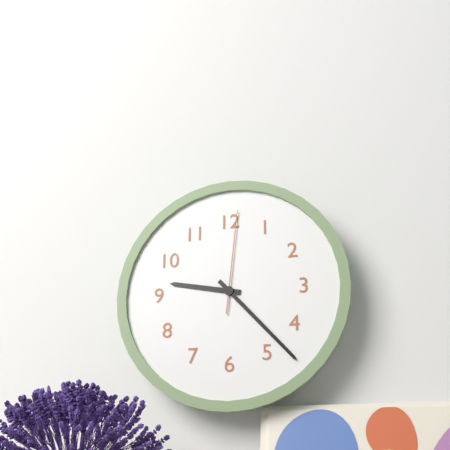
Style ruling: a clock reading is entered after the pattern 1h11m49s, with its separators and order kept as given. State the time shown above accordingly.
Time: 9h23m01s
